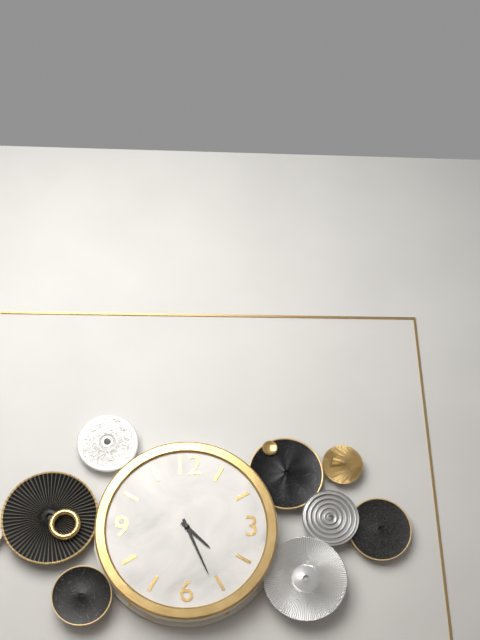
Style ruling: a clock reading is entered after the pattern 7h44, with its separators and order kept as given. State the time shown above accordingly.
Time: 4h26
